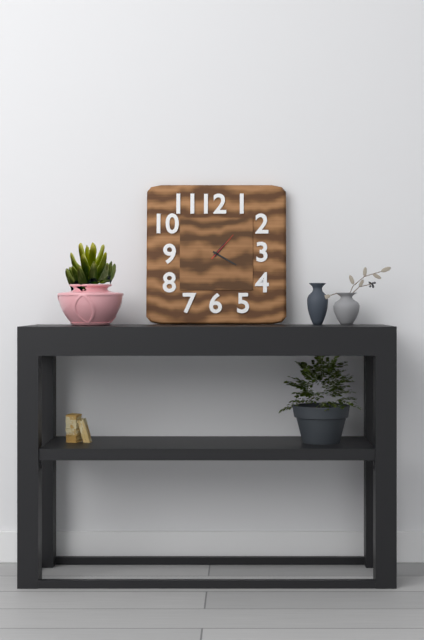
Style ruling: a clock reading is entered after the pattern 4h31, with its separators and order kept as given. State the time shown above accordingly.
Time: 1h20
